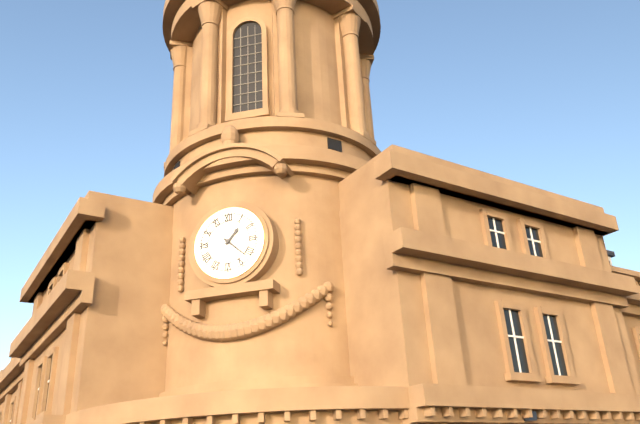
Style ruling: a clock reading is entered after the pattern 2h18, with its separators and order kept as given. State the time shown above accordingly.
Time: 1h22
